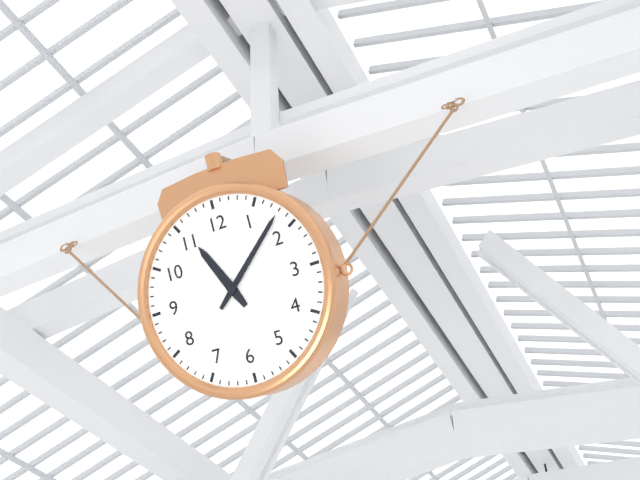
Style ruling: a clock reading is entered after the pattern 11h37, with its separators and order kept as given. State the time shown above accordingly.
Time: 11h08
